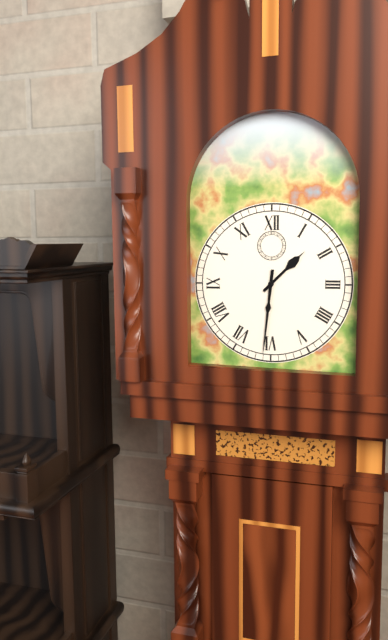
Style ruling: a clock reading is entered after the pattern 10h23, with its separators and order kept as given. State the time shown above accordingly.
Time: 1h31
